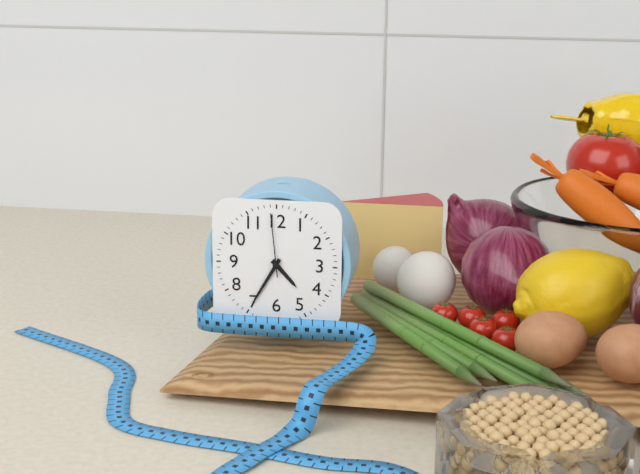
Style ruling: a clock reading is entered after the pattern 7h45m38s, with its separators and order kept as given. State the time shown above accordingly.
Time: 4h35m59s
